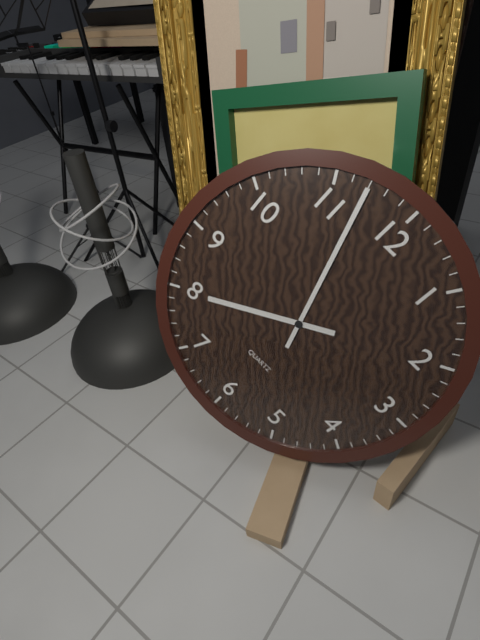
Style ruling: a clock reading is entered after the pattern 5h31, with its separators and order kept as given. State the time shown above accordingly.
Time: 7h57
